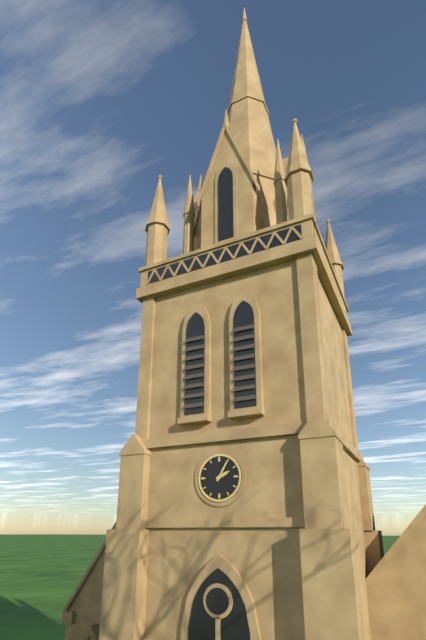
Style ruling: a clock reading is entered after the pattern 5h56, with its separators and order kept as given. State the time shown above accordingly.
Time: 2h05
